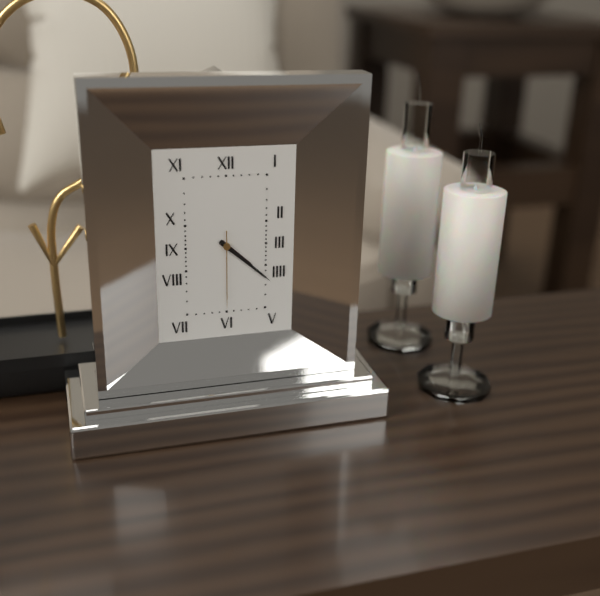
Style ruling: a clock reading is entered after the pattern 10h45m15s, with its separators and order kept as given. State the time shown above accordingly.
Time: 4h22m30s
